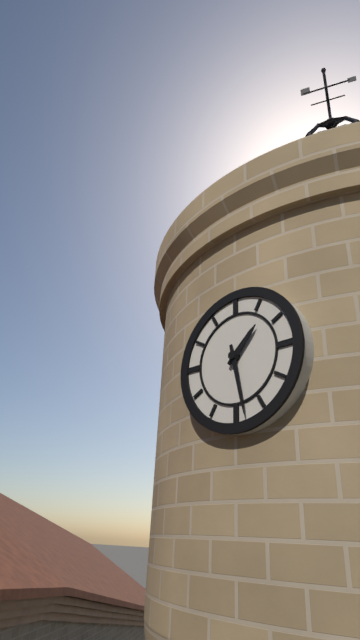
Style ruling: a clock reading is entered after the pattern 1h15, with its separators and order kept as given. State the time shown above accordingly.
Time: 1h28
